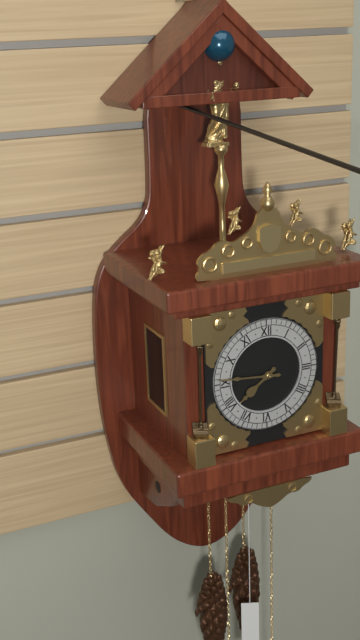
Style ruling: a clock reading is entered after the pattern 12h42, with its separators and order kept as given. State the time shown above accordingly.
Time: 7h46
